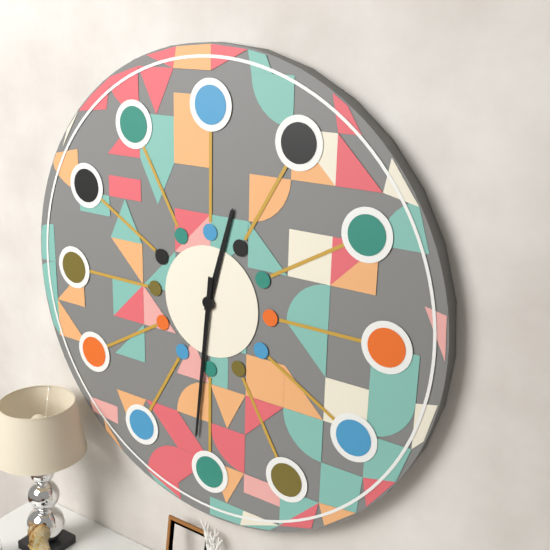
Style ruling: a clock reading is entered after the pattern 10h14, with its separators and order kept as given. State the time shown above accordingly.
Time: 12h31
